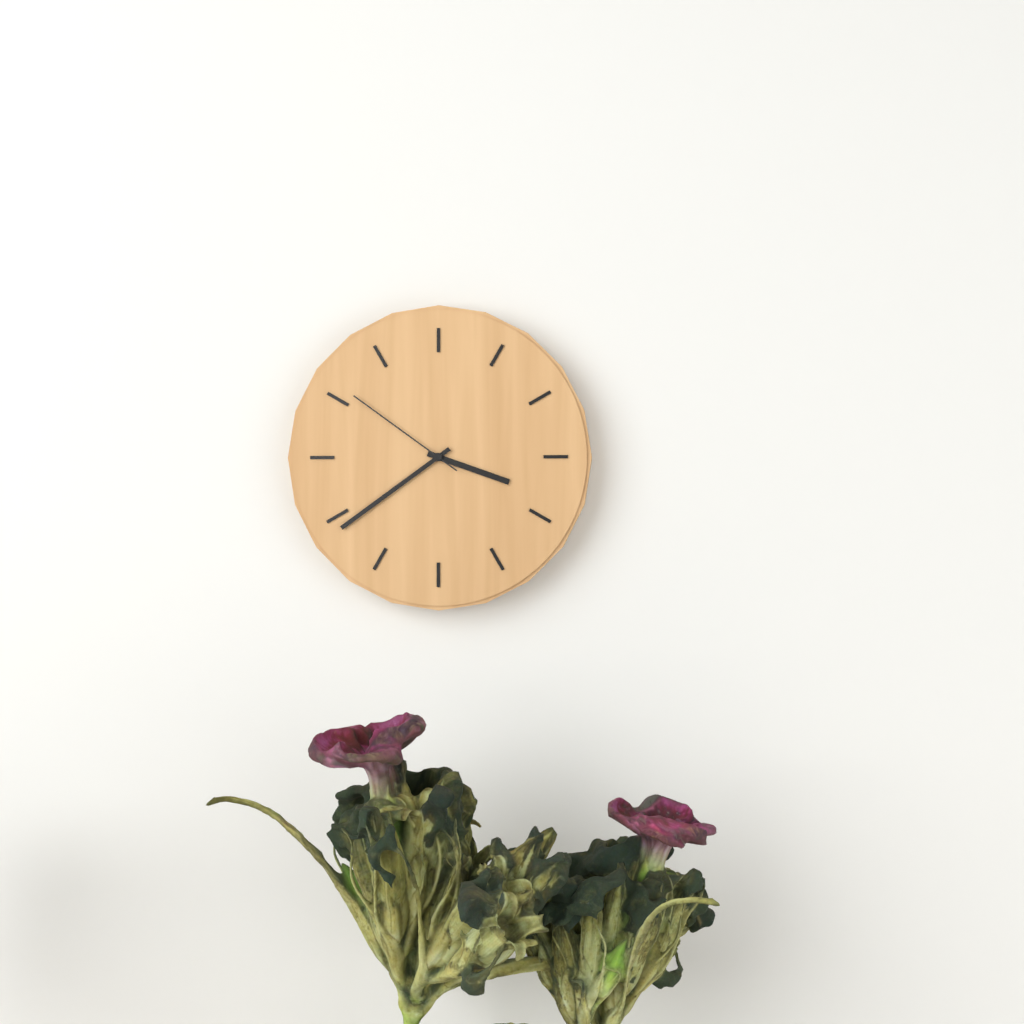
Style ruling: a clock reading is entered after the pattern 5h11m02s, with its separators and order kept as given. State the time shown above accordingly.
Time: 3h39m51s
